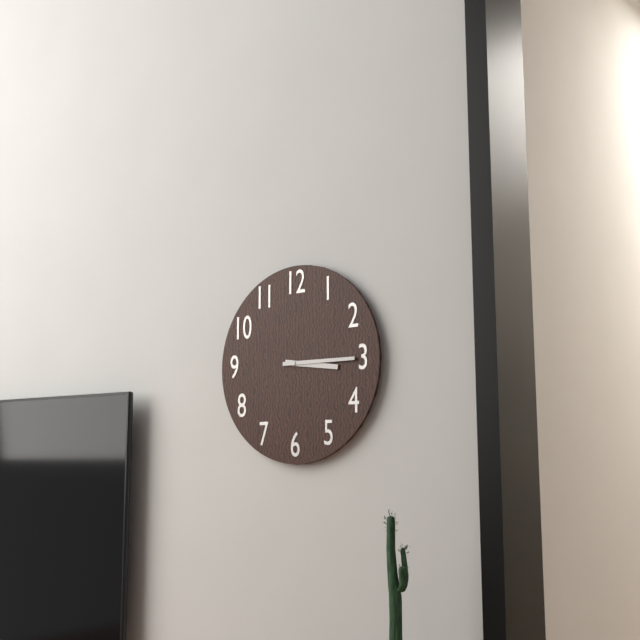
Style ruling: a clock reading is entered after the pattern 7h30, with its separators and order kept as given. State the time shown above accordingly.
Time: 3h15
